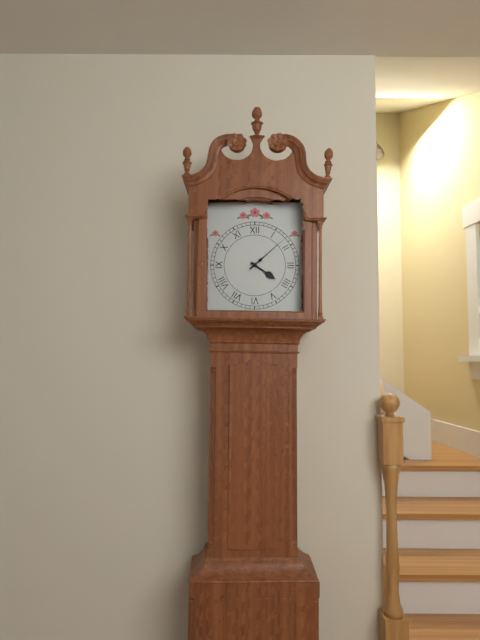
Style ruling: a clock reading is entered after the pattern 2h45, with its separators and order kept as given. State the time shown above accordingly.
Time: 4h08
